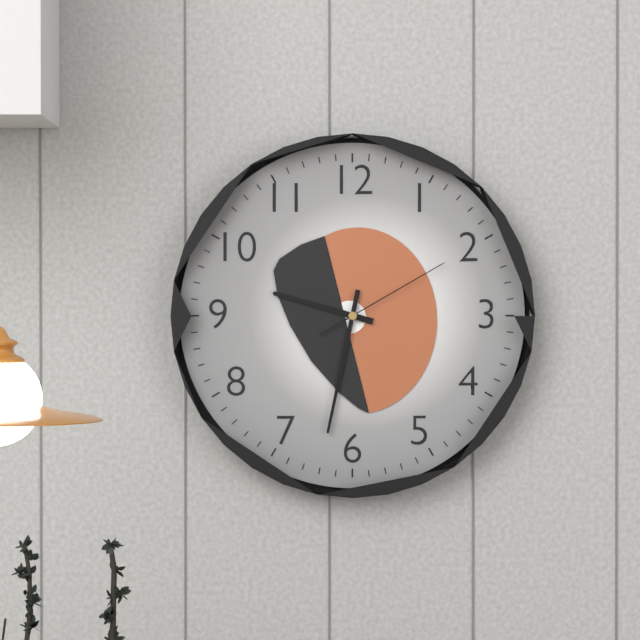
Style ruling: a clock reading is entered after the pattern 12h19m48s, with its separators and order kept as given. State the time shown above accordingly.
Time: 9h32m10s
